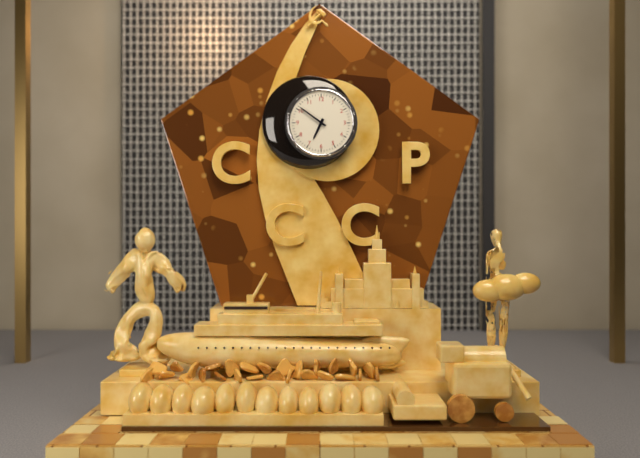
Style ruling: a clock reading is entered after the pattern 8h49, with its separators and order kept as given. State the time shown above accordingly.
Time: 6h51
